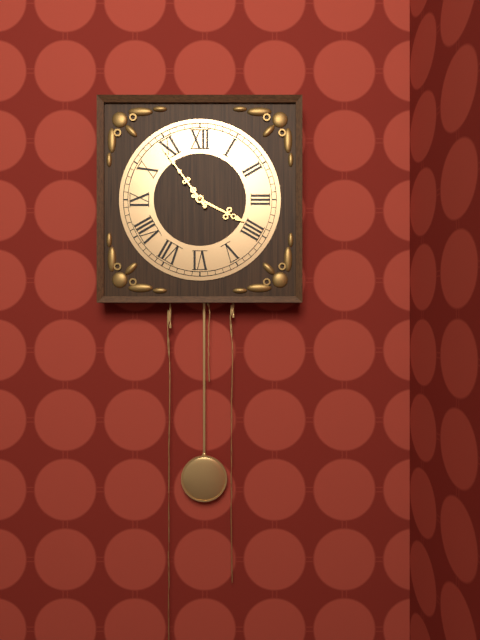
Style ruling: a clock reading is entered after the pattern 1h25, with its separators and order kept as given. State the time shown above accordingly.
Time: 3h54
